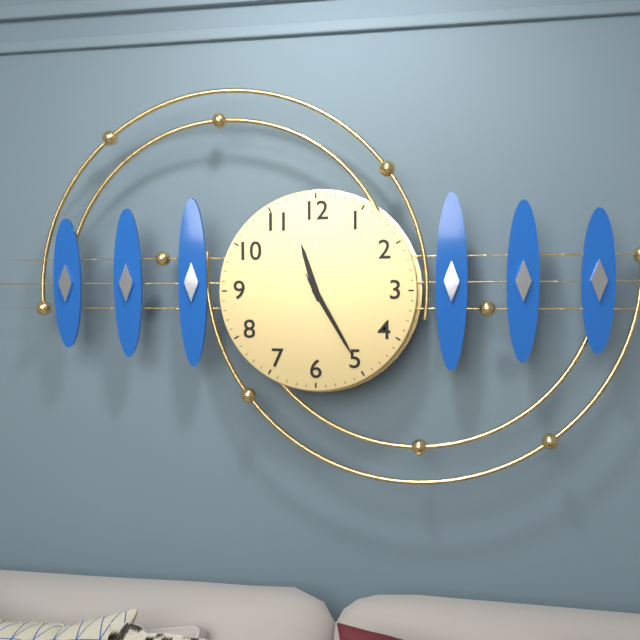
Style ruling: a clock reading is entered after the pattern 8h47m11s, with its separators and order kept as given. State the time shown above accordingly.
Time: 11h25m25s
